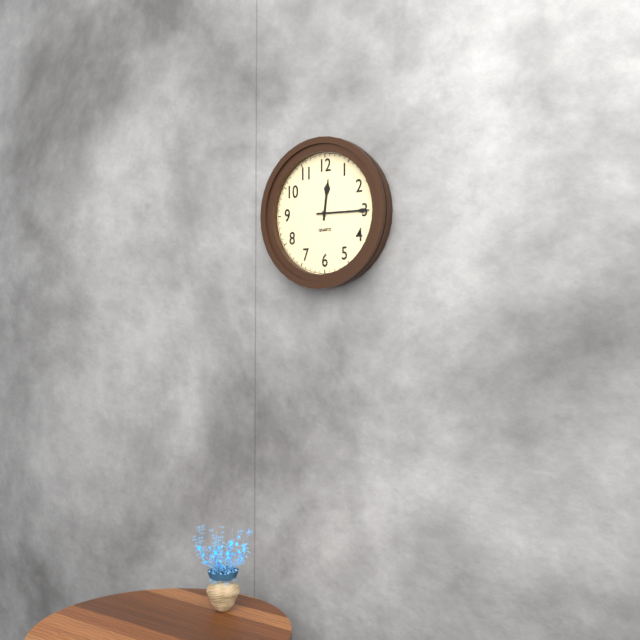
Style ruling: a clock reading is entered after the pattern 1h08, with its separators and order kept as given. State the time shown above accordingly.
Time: 12h15
